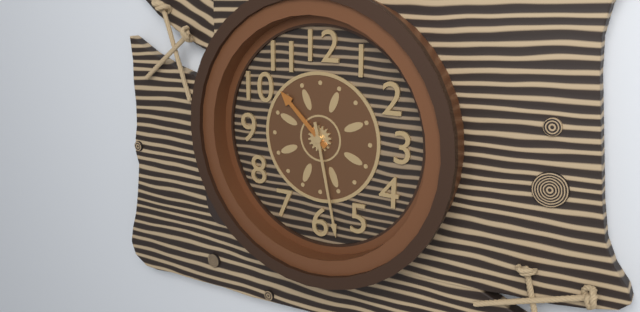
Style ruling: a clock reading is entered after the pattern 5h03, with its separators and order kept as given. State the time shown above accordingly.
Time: 10h28
